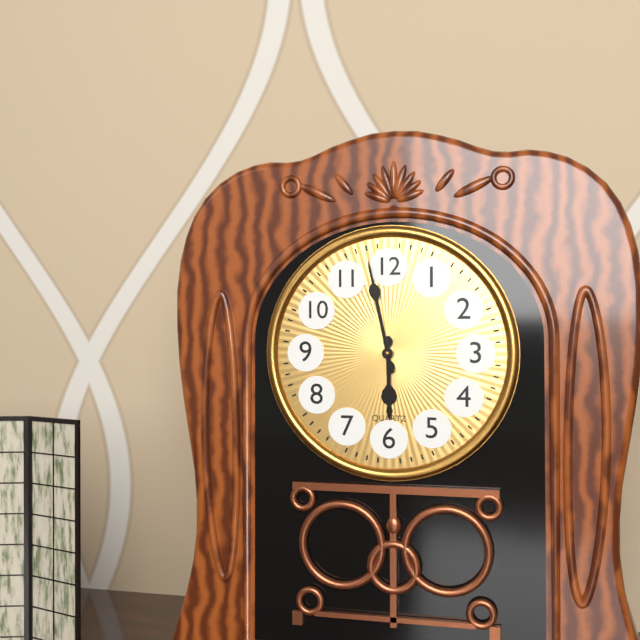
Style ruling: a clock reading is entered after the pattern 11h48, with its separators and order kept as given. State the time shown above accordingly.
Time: 5h58
